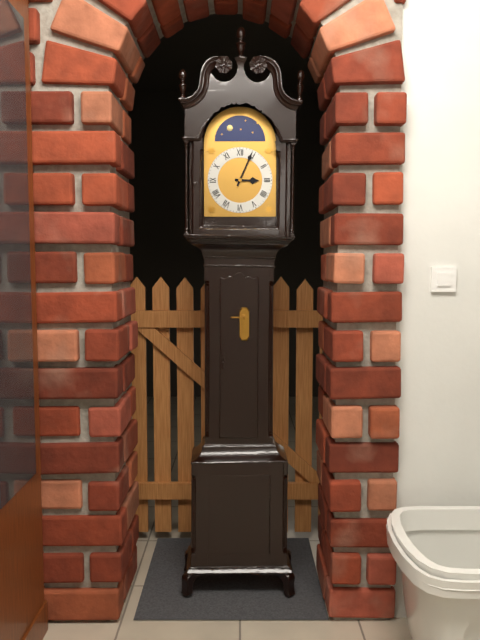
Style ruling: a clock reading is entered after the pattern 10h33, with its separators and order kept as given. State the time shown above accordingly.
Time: 3h04
